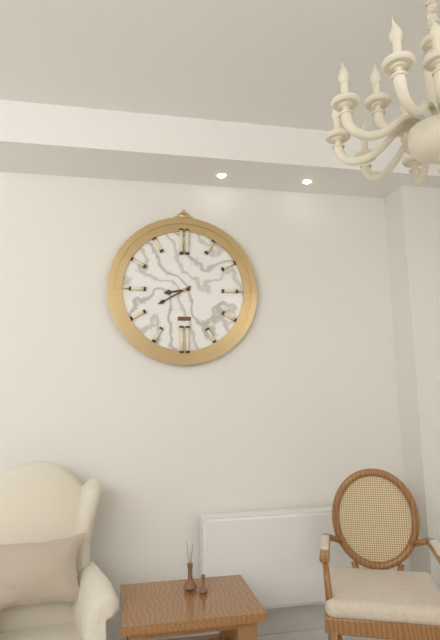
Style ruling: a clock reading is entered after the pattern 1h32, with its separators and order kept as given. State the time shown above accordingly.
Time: 8h40
